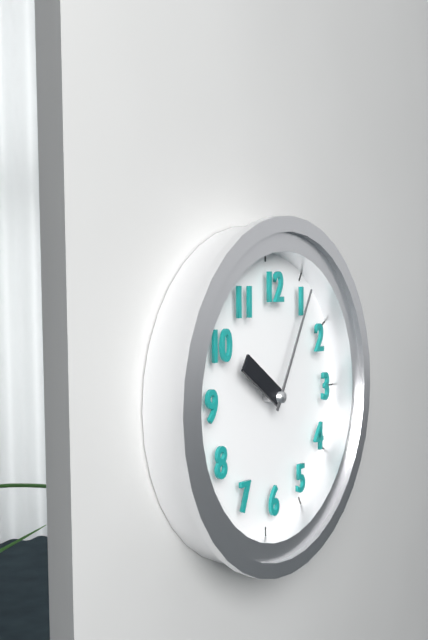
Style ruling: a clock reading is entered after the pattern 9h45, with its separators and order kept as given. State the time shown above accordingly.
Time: 10h05
